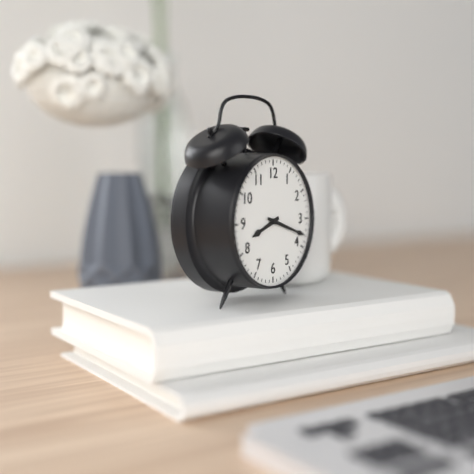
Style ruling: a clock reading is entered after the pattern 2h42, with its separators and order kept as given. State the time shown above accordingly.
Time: 8h18
